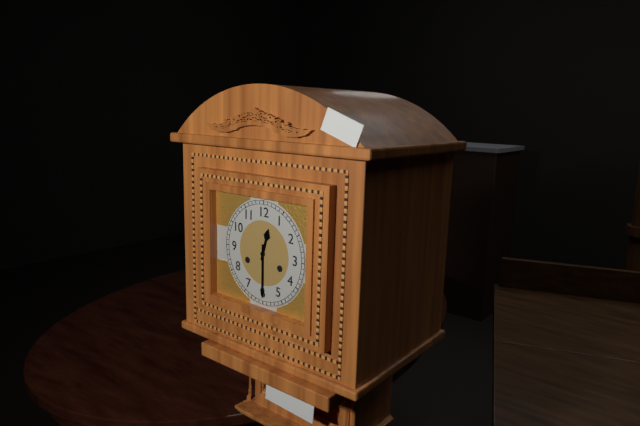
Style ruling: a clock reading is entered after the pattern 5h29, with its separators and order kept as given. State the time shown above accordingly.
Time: 12h30
